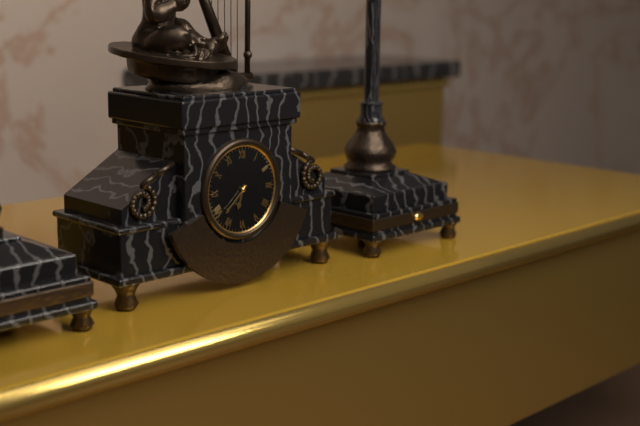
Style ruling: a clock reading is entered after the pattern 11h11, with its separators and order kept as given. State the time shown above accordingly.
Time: 6h38
